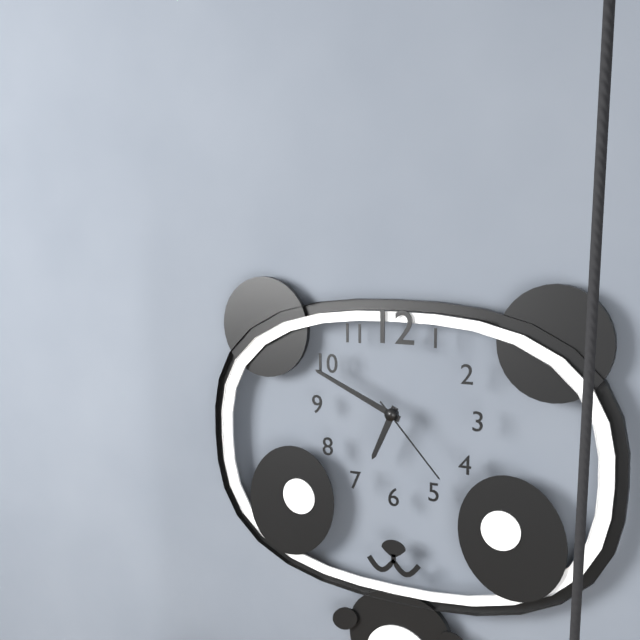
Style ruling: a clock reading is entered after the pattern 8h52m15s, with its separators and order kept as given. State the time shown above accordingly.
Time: 6h49m23s
